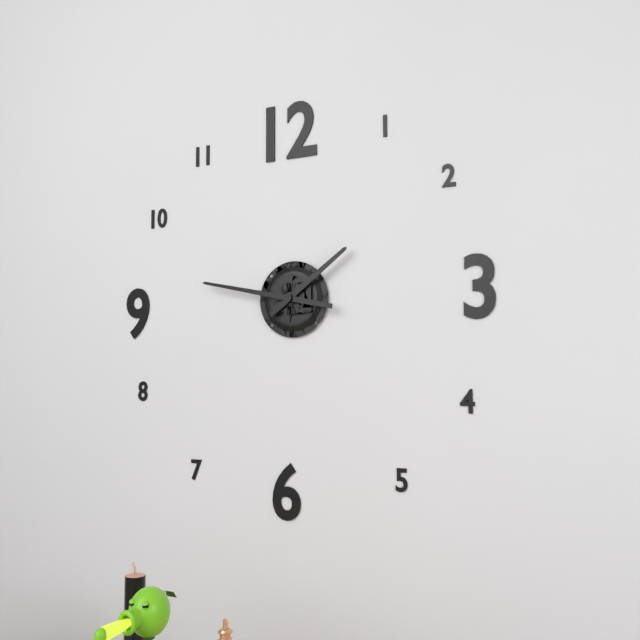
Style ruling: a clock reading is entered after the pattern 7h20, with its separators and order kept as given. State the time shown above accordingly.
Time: 1h47
